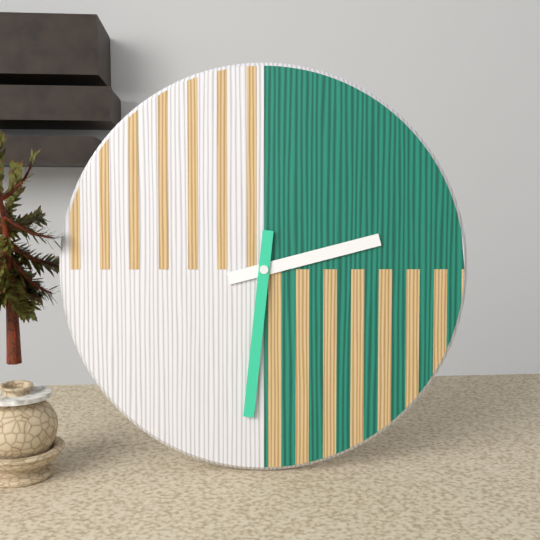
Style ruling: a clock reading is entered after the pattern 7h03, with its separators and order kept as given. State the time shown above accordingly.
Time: 2h31
